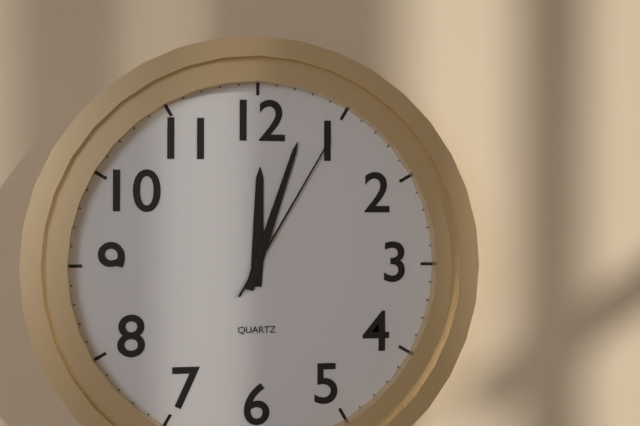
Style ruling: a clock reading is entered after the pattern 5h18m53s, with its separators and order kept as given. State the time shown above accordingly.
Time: 12h03m05s
